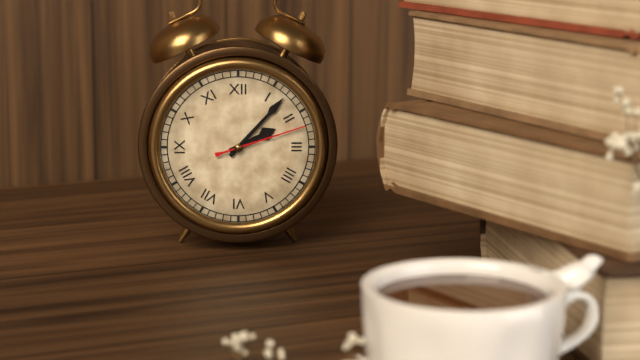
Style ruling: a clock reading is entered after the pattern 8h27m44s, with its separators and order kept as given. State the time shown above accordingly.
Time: 2h07m12s
